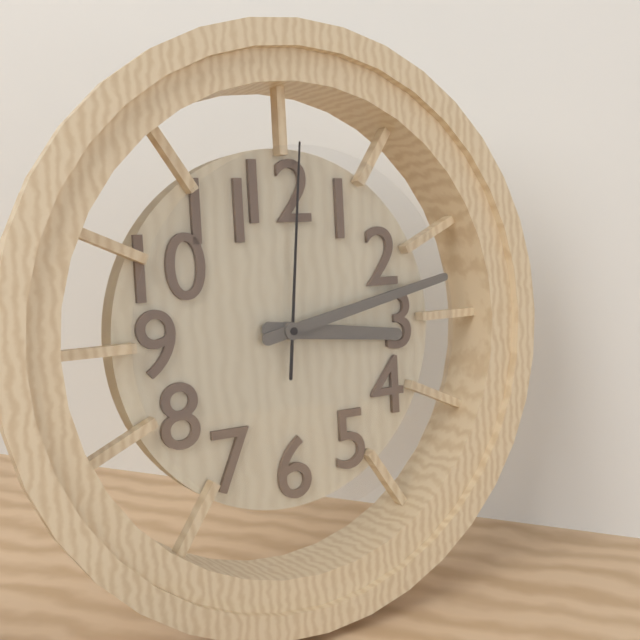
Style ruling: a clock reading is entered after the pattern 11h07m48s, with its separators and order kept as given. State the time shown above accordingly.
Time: 3h13m01s
